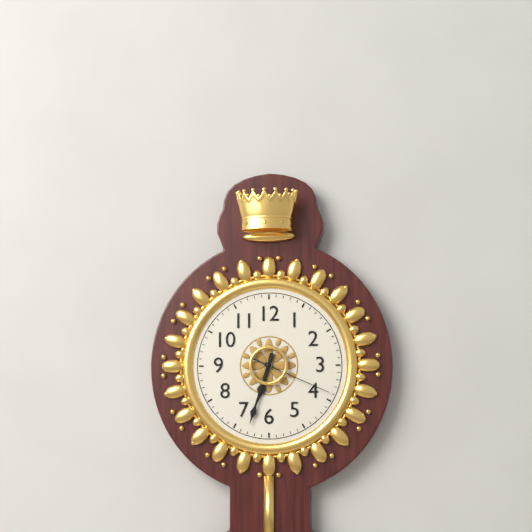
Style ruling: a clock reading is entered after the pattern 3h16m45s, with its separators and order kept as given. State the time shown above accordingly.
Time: 6h33m19s
